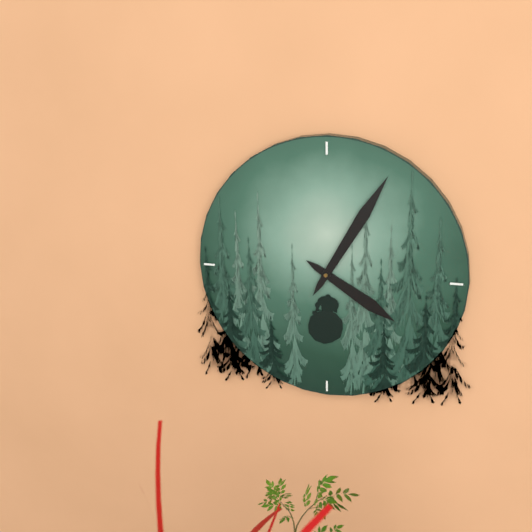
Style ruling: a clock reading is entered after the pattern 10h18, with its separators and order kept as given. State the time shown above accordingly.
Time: 4h05
